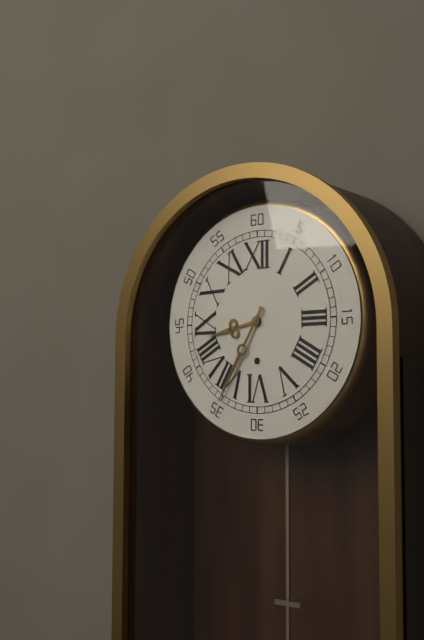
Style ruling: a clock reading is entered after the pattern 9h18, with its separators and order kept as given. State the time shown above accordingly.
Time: 8h35
